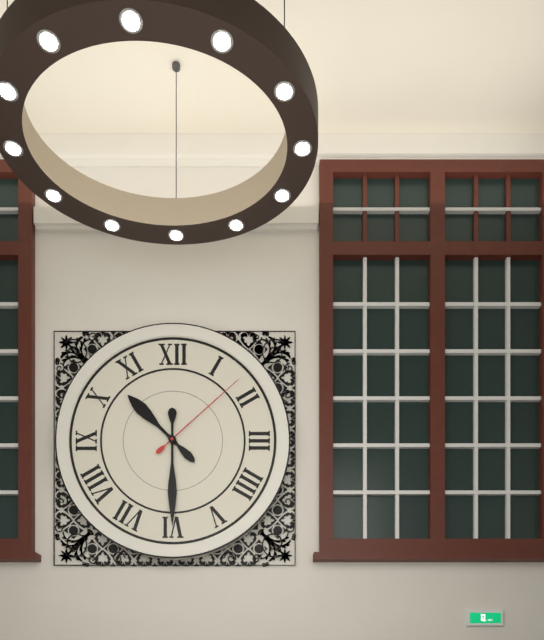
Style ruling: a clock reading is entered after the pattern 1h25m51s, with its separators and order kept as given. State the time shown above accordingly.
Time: 10h30m08s
